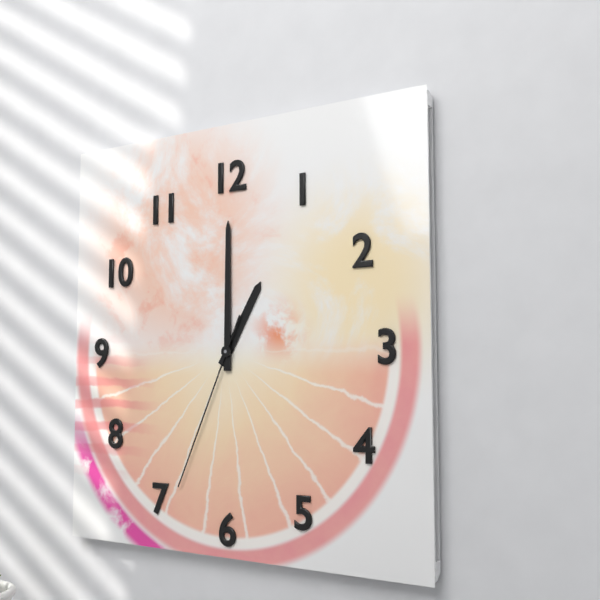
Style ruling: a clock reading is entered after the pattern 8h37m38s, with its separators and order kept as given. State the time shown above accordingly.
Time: 1h00m34s
